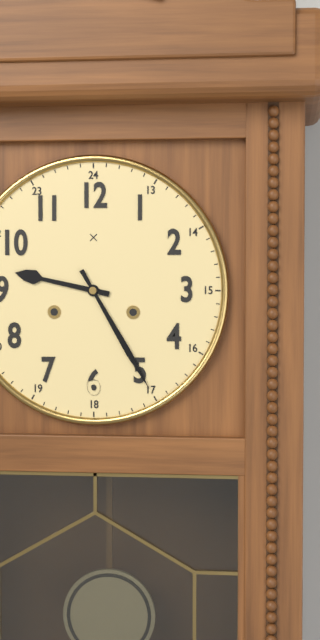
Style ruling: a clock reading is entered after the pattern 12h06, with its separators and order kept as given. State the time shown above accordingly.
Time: 9h25
